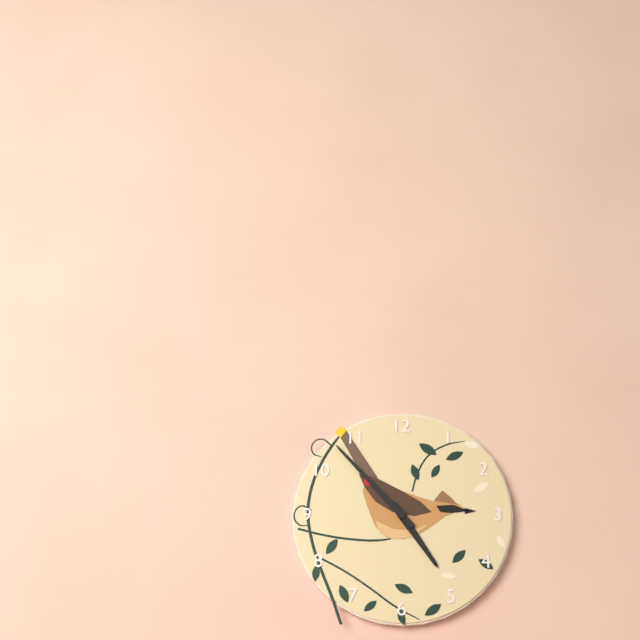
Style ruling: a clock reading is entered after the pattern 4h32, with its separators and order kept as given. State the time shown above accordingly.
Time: 4h53
